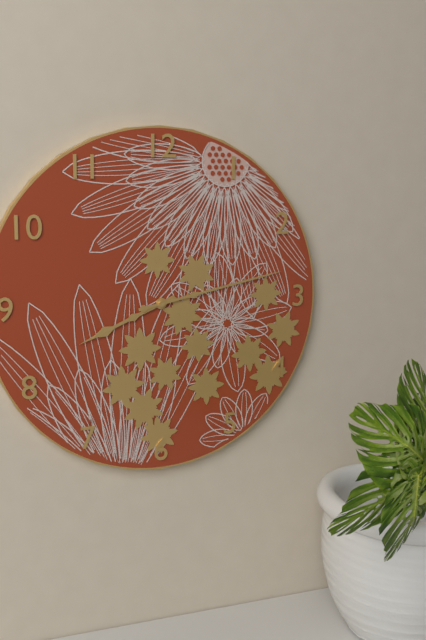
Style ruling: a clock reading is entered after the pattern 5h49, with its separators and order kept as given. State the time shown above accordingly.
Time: 8h13
